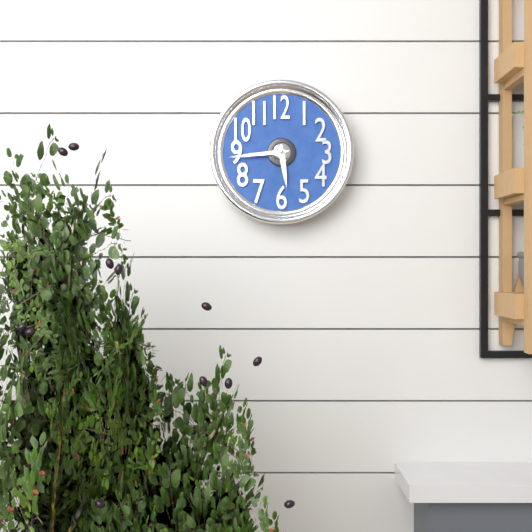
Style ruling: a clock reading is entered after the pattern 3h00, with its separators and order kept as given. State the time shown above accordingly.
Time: 5h44
